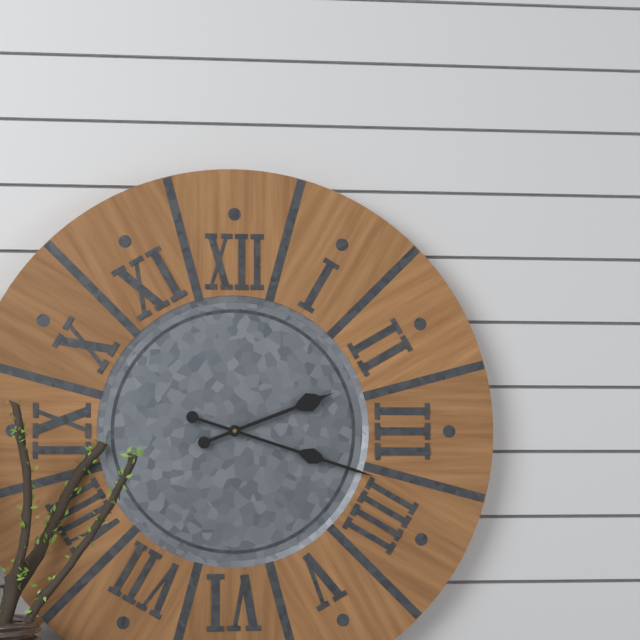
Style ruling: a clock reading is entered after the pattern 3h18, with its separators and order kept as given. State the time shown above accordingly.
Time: 2h18
